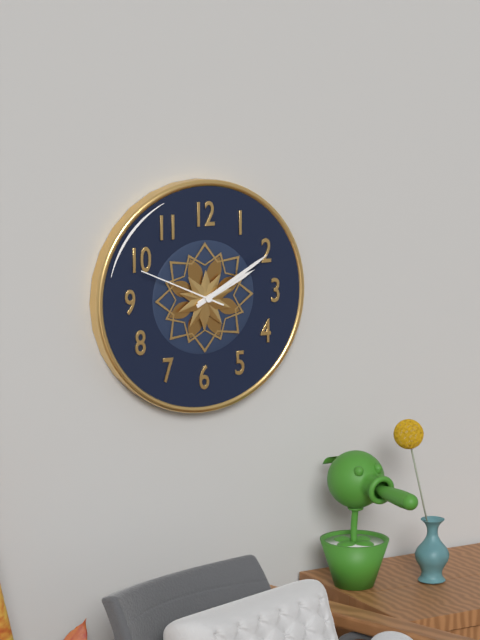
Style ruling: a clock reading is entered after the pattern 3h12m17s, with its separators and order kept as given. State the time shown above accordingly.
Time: 2h10m49s
